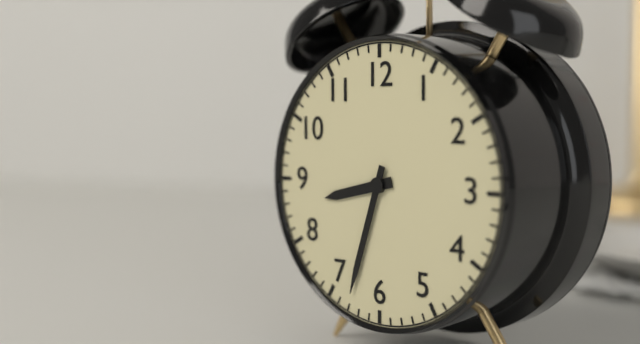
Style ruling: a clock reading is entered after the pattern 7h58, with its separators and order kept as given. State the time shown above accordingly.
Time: 8h33
